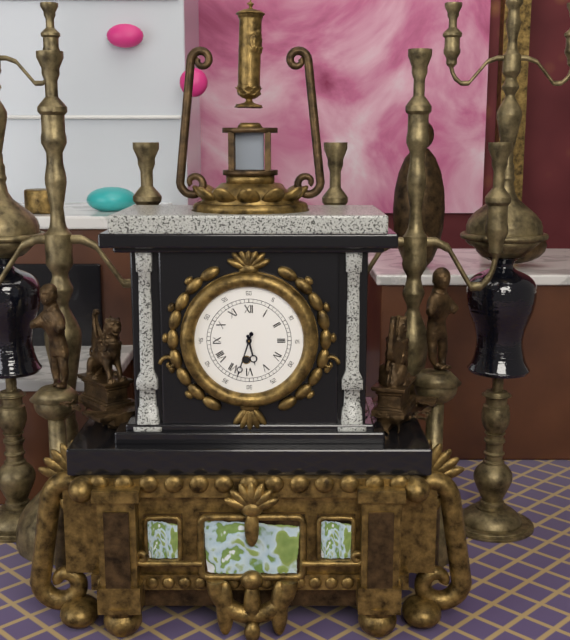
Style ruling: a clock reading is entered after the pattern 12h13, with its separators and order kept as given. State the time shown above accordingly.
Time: 5h33
